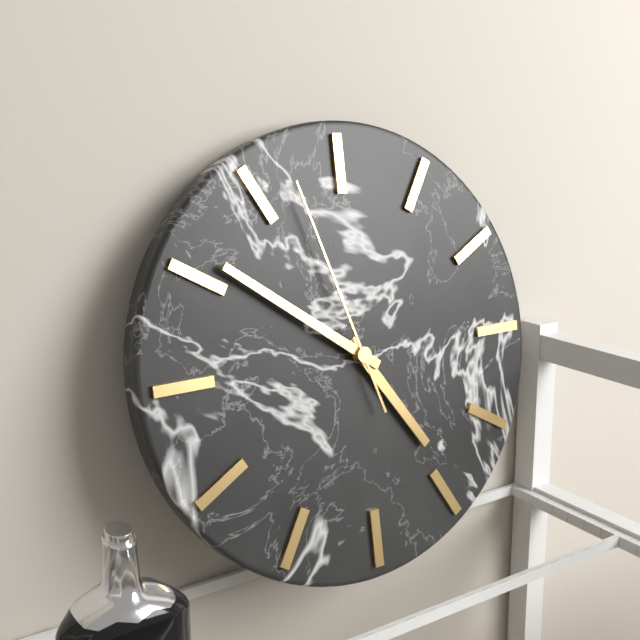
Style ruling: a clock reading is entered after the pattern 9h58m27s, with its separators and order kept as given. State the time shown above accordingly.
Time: 4h51m57s
